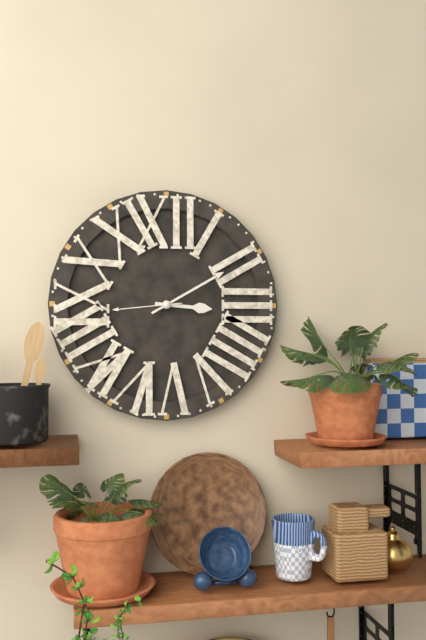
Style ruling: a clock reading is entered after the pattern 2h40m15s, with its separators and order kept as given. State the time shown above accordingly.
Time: 3h10m44s
